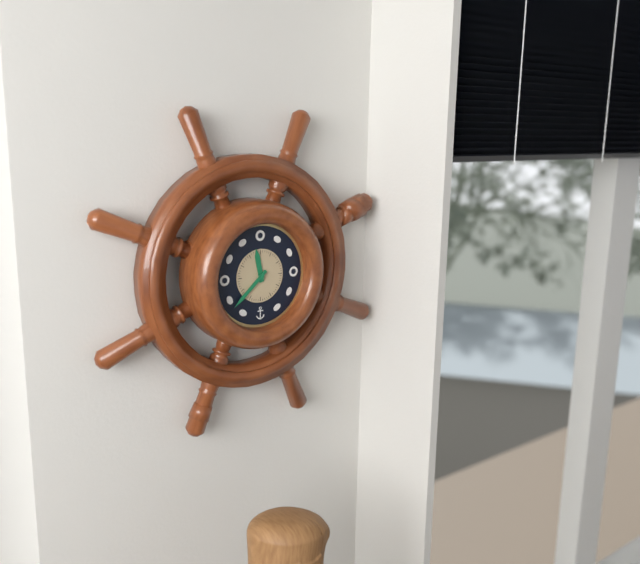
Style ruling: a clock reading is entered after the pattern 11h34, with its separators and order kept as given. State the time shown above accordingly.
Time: 11h38
